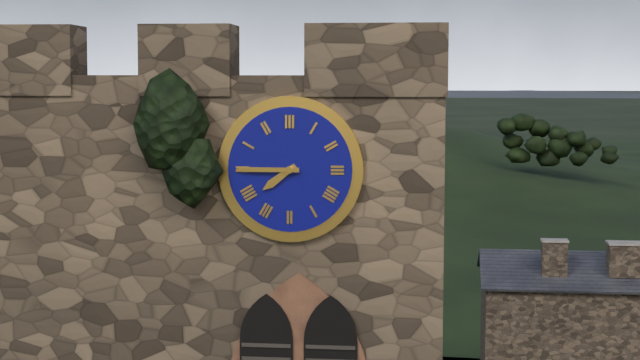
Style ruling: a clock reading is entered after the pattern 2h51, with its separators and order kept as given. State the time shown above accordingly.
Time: 7h45
